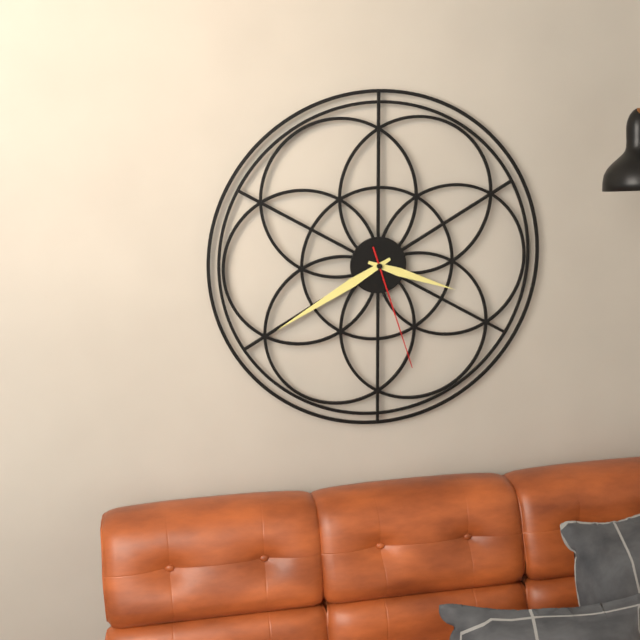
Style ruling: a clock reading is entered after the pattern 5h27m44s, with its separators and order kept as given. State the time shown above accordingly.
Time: 3h40m27s
